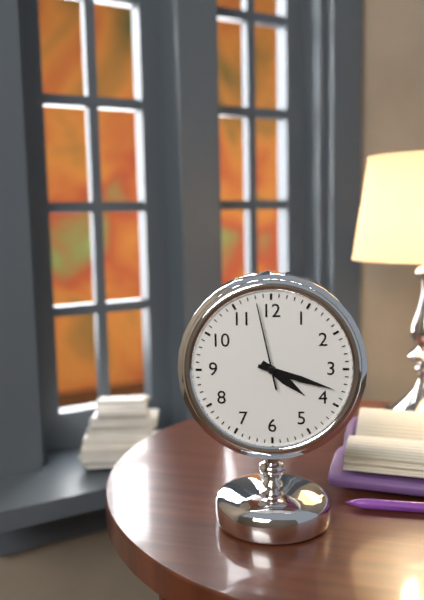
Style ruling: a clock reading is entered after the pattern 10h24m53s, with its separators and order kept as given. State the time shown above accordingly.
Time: 4h18m58s
